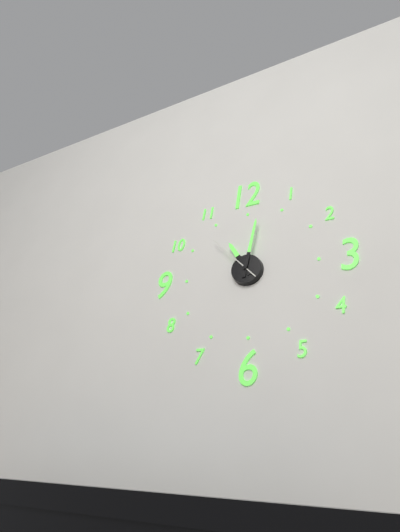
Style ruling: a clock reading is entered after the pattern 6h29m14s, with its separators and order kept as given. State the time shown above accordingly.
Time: 11h02m53s
